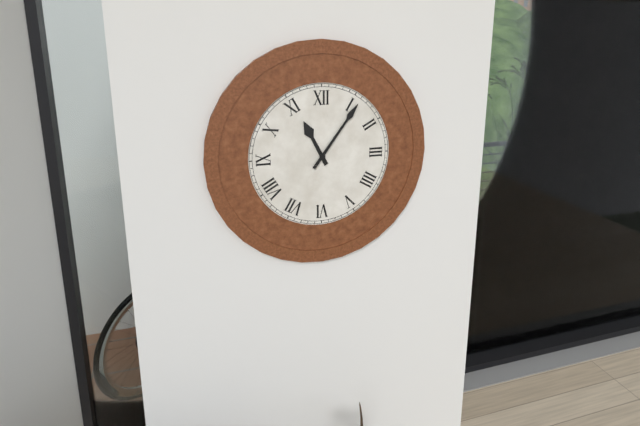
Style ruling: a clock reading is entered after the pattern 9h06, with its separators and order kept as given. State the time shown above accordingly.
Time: 11h06
